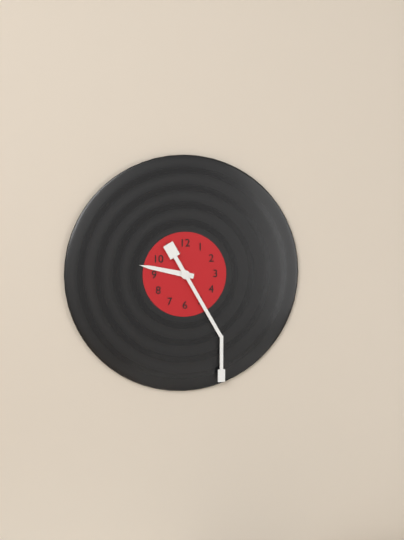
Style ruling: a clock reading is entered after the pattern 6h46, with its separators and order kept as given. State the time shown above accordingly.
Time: 9h25
